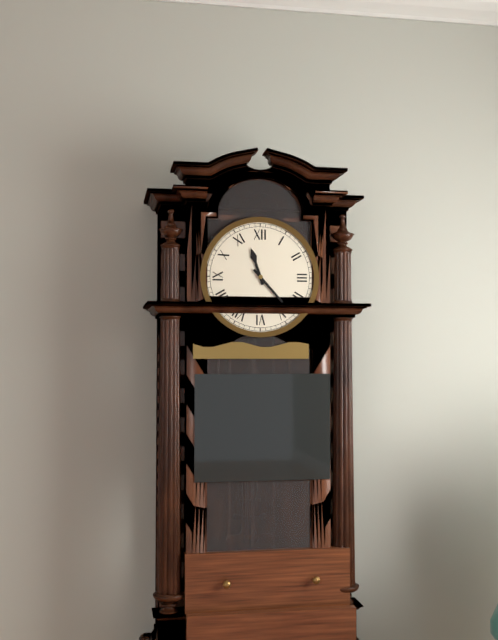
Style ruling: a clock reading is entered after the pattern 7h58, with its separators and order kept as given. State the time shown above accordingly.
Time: 11h23
